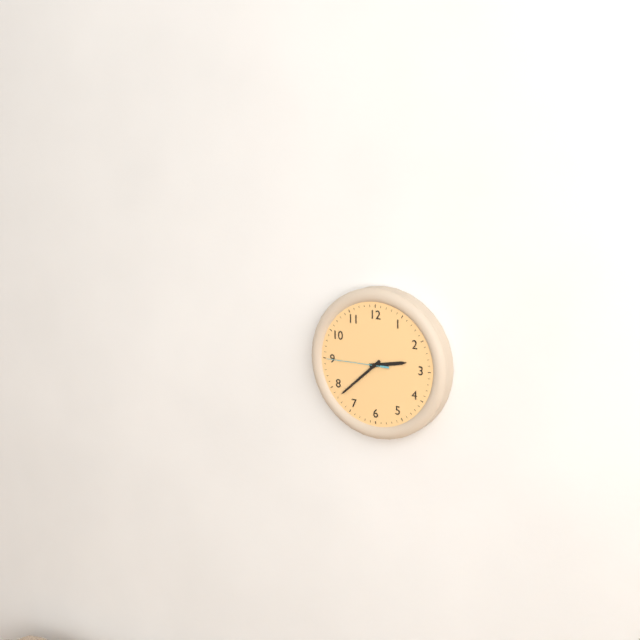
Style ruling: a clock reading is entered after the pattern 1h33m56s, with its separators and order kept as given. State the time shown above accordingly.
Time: 2h38m45s
